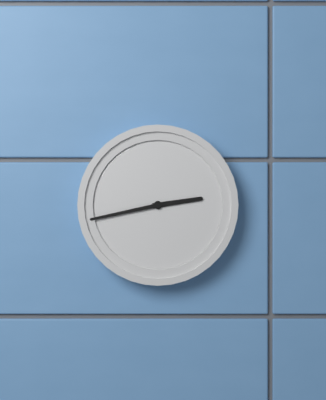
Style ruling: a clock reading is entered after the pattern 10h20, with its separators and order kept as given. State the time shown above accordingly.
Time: 2h43
